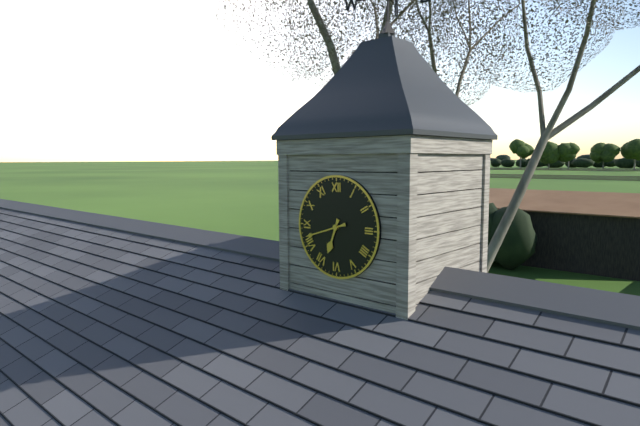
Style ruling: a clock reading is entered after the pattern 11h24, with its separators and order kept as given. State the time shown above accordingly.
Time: 6h42
